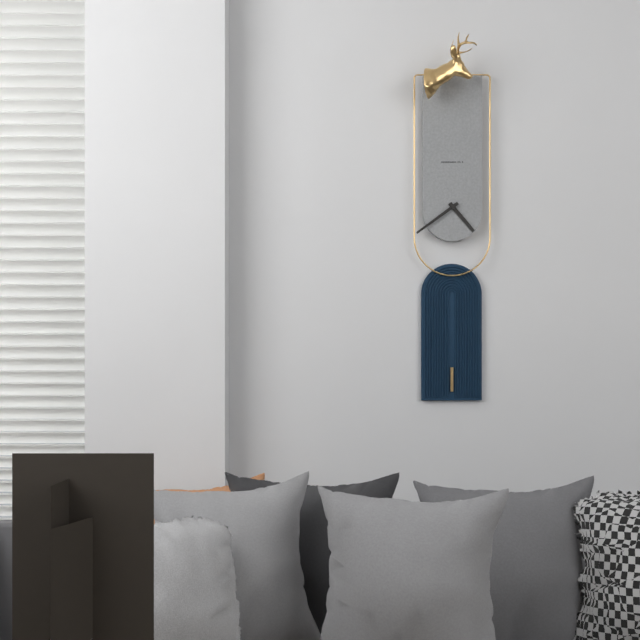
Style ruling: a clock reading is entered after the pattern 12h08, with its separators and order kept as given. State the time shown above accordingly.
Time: 4h39
